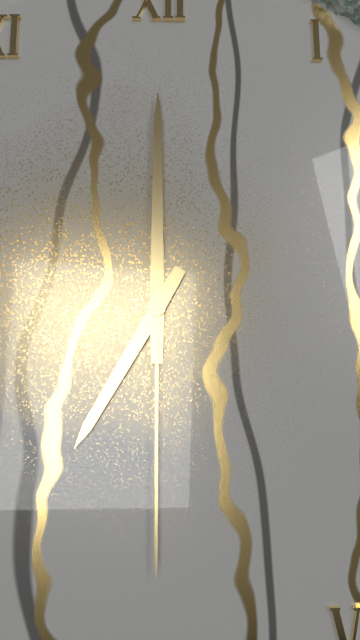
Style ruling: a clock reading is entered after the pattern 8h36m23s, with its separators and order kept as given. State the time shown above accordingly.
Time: 7h00m30s
